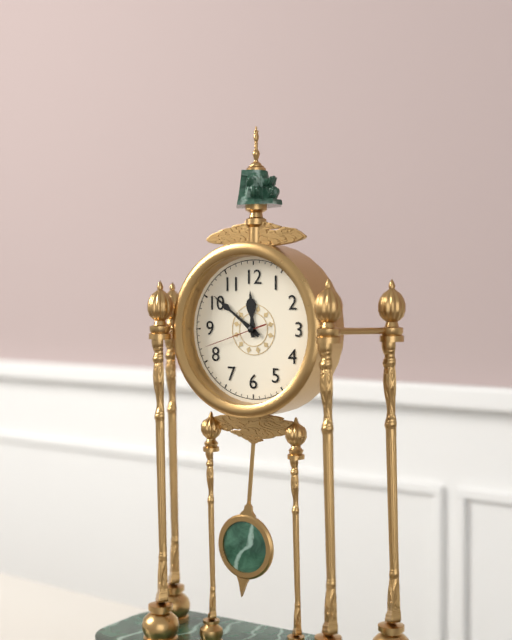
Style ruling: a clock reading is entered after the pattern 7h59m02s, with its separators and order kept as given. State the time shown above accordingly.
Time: 11h51m42s
